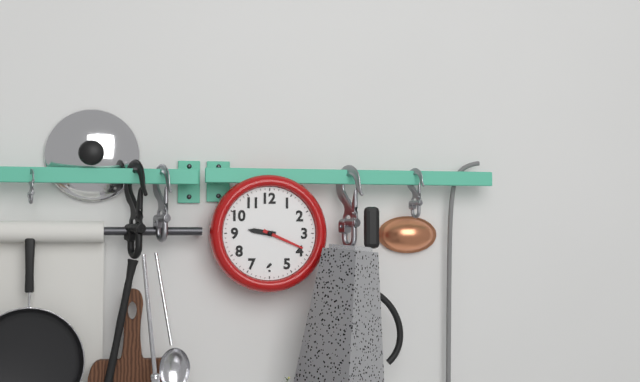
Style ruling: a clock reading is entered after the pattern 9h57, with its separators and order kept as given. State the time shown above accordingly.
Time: 9h19
